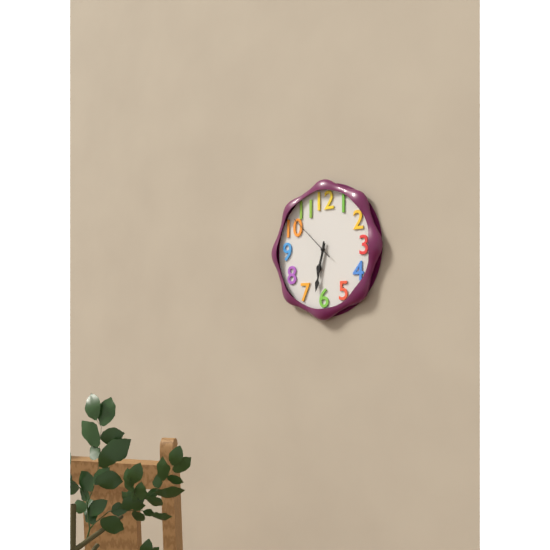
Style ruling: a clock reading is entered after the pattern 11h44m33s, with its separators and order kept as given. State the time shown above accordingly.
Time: 6h32m52s
